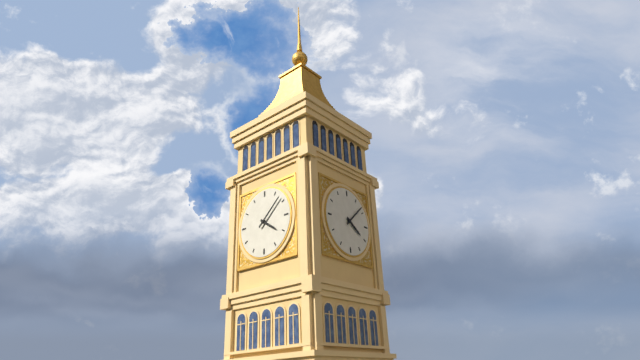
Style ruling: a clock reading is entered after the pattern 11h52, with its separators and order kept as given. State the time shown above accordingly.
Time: 4h08
